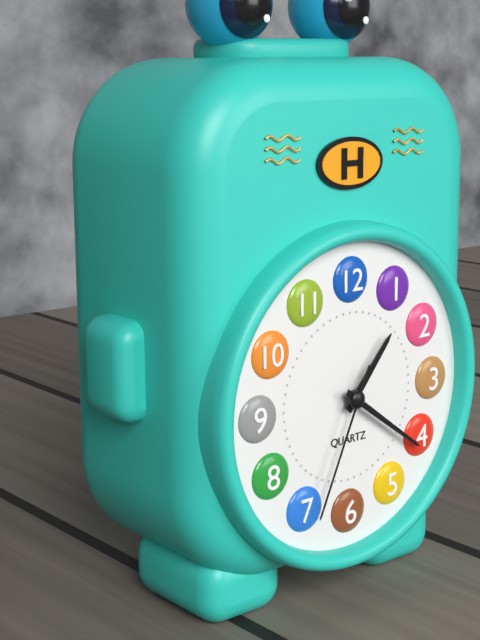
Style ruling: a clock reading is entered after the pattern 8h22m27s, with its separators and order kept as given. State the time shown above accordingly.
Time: 1h21m34s
